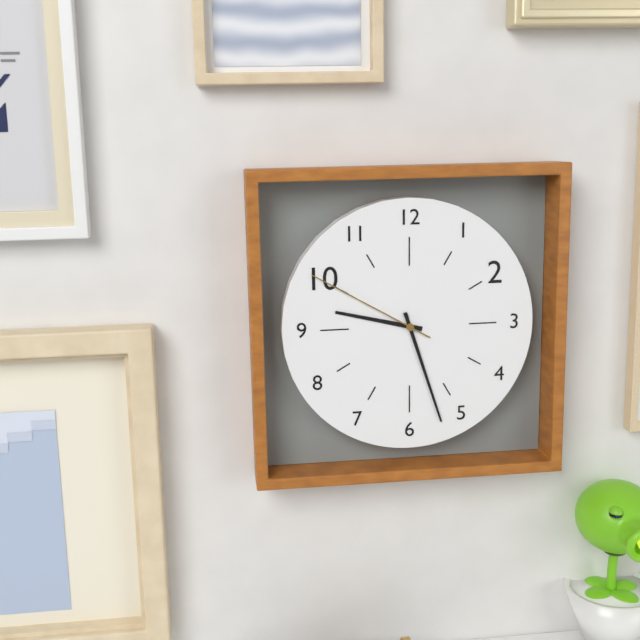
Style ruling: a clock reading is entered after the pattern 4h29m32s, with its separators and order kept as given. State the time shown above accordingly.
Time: 9h27m50s
